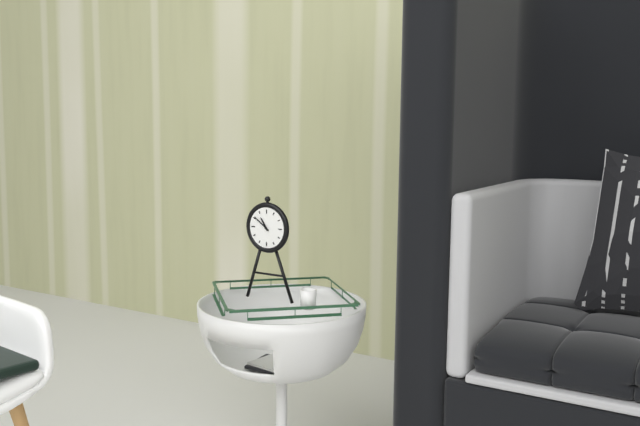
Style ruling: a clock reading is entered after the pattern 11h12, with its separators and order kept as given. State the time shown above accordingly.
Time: 10h51
